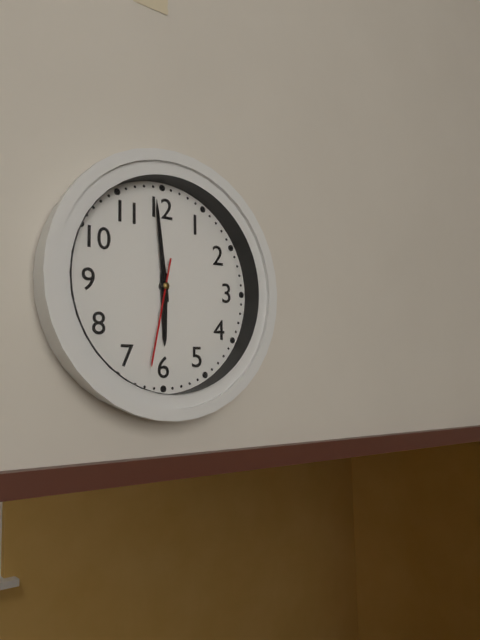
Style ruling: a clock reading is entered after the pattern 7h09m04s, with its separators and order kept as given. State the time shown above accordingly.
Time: 5h59m32s
